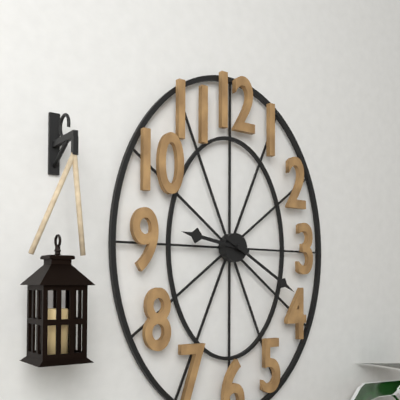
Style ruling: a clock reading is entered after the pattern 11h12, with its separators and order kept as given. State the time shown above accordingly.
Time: 9h20
